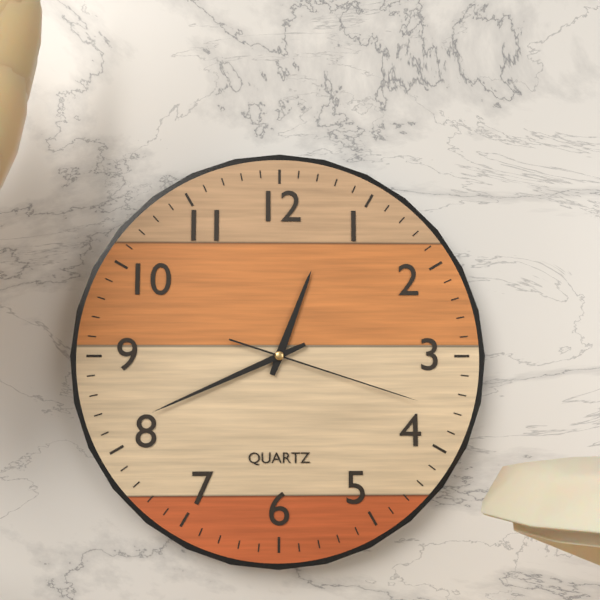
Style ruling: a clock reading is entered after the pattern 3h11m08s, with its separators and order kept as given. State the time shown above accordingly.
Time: 12h41m18s
